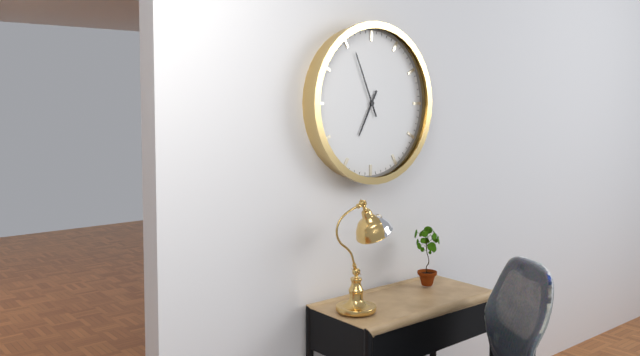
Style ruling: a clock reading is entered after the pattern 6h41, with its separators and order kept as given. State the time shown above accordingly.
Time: 6h56
